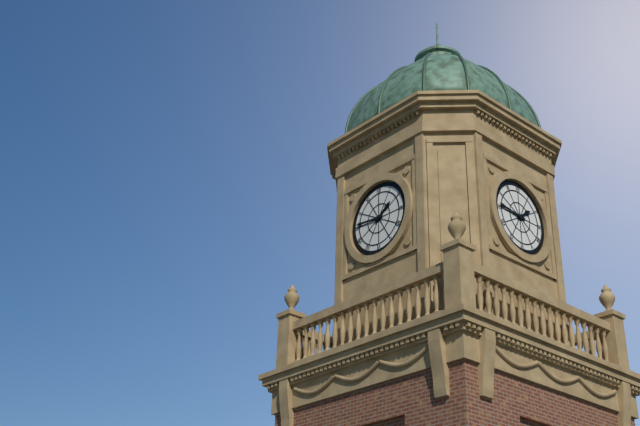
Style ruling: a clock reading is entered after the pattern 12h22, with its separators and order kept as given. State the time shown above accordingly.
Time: 1h46
